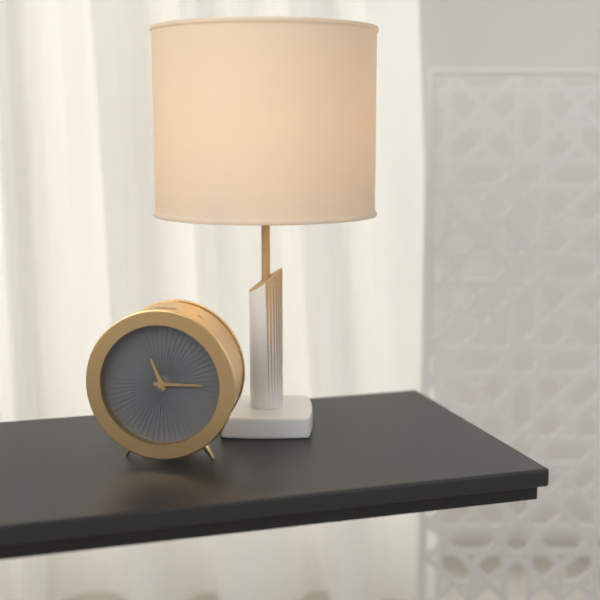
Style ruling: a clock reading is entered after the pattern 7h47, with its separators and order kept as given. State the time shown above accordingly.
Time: 11h15
